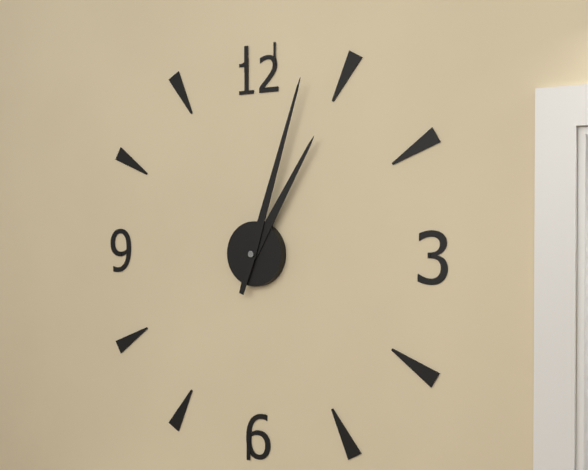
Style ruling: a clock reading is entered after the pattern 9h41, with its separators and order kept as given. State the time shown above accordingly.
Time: 1h03
